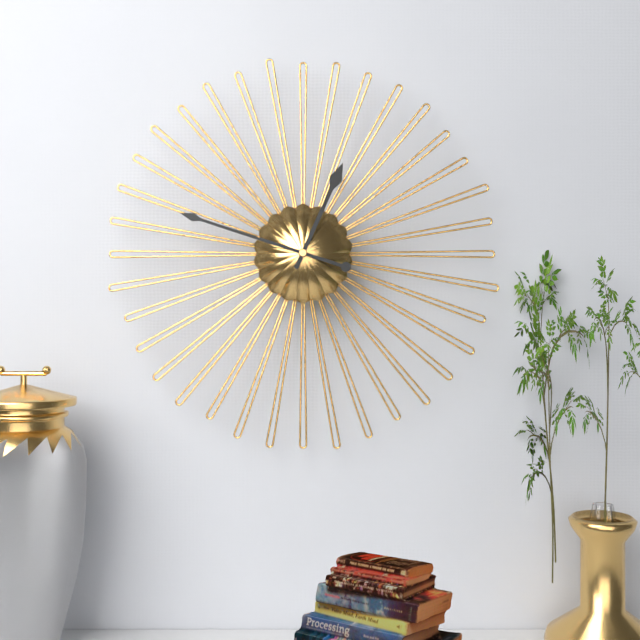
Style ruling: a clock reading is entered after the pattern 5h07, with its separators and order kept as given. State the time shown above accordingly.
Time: 12h48
